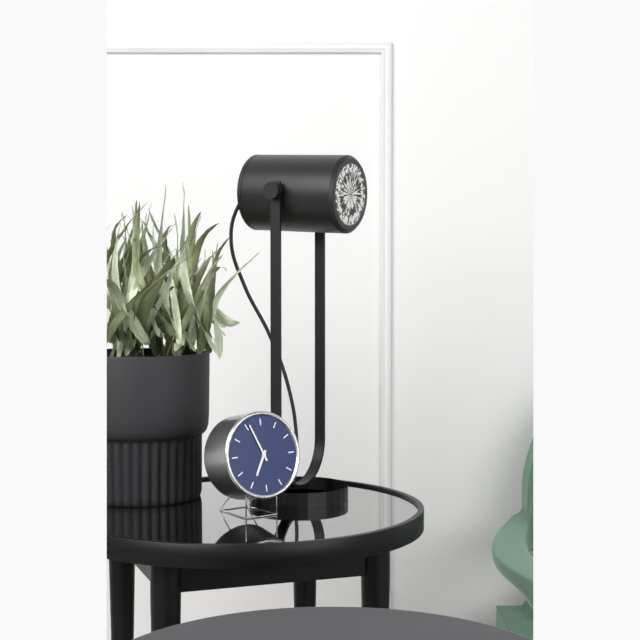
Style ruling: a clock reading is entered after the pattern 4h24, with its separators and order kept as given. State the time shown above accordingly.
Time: 6h56
